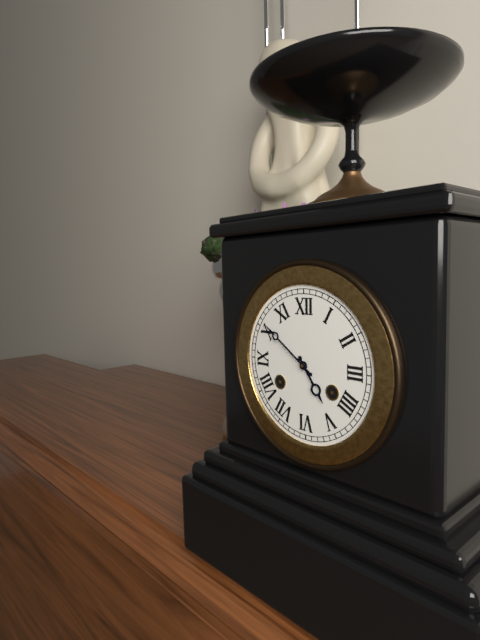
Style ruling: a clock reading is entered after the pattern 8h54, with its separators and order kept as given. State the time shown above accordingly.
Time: 4h51
